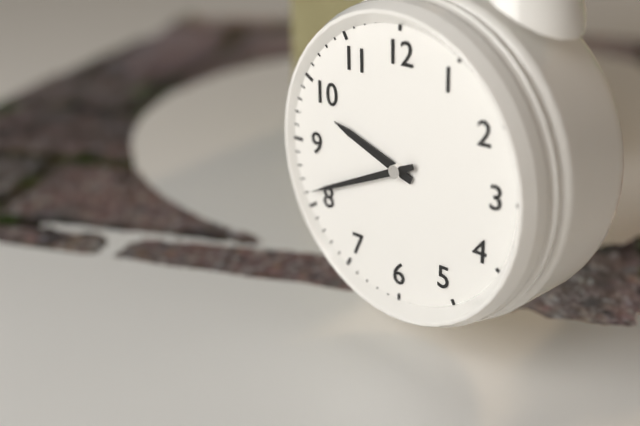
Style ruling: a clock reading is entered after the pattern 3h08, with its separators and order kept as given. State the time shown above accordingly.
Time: 9h41
